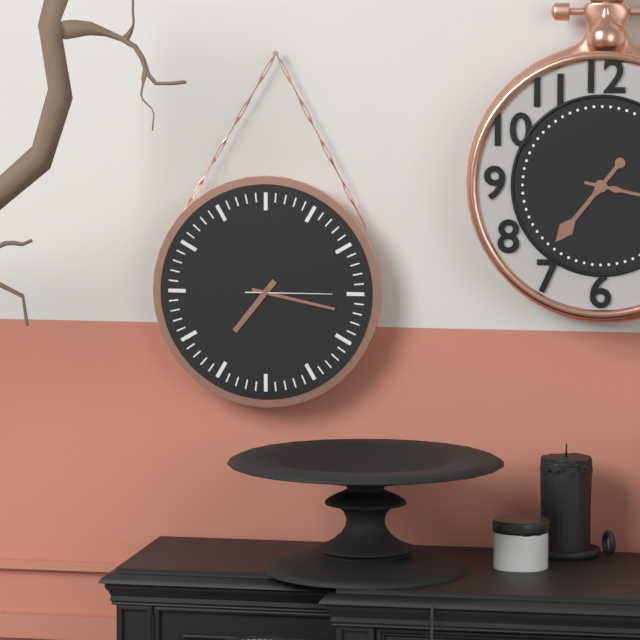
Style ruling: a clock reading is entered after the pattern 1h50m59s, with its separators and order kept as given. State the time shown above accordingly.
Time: 7h17m15s
